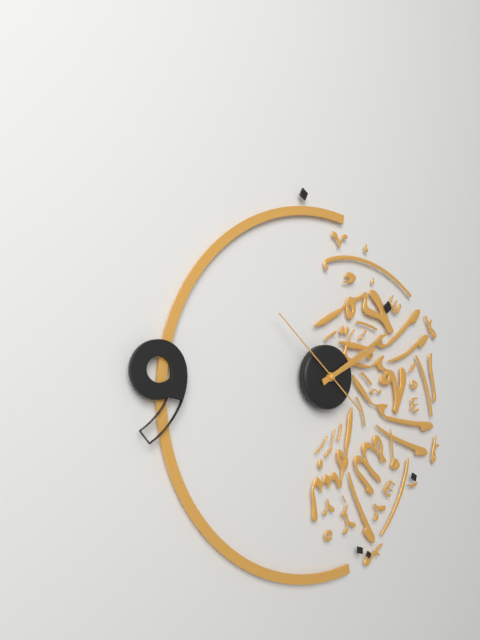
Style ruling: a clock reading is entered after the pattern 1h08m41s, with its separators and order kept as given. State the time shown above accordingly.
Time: 2h10m52s
